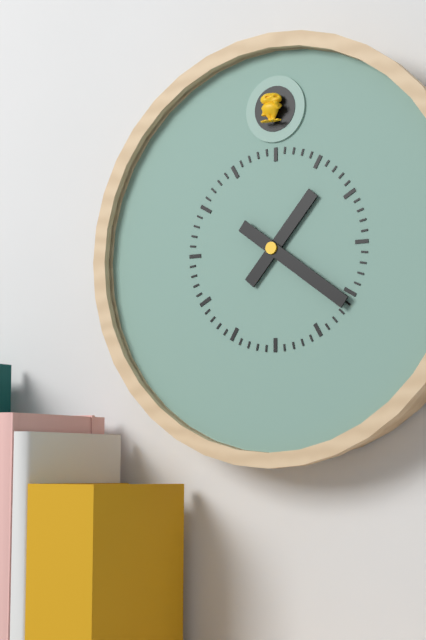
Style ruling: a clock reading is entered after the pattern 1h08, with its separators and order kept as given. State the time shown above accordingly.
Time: 1h21
